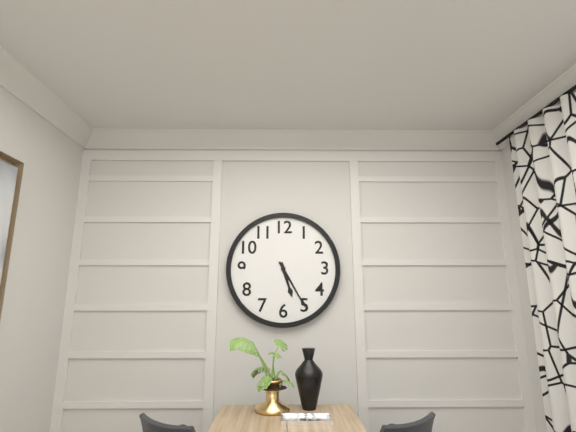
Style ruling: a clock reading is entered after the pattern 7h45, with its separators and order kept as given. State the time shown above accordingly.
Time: 5h25
